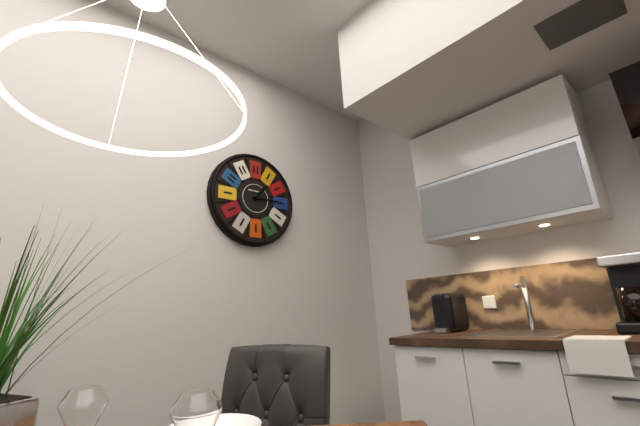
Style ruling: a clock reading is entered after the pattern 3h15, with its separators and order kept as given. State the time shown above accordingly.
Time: 1h15
